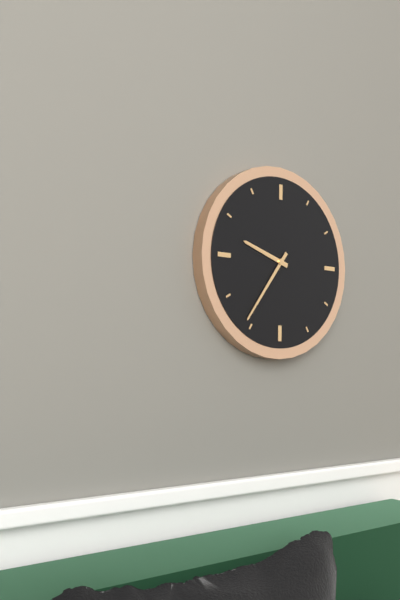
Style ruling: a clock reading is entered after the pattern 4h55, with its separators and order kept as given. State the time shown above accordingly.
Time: 9h36
